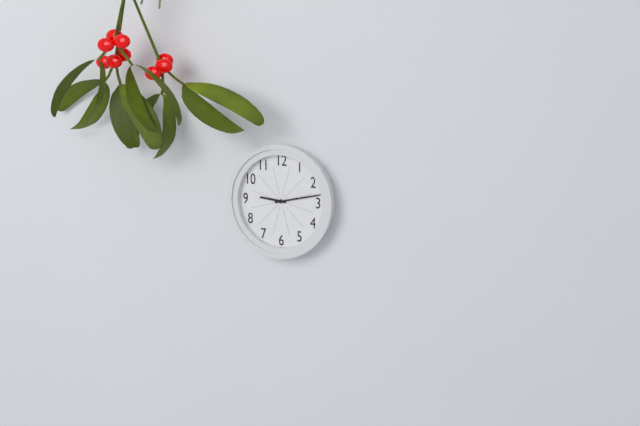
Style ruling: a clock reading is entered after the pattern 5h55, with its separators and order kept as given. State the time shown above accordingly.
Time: 9h13
